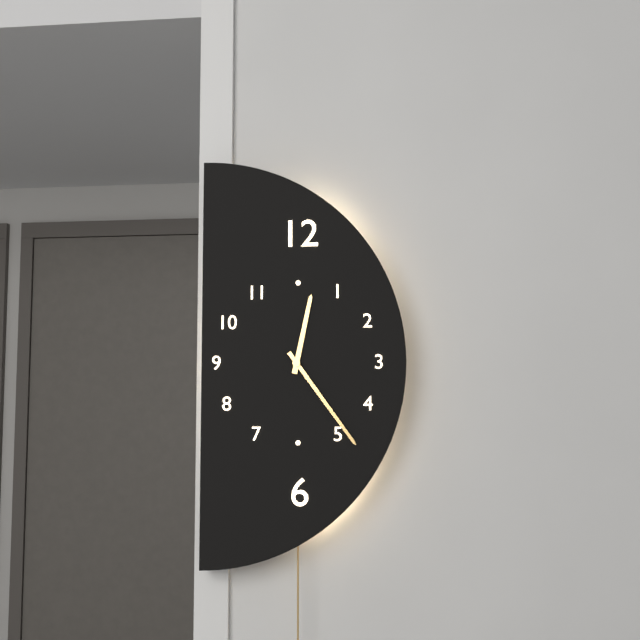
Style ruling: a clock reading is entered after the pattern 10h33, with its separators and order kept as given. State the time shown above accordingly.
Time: 12h24
